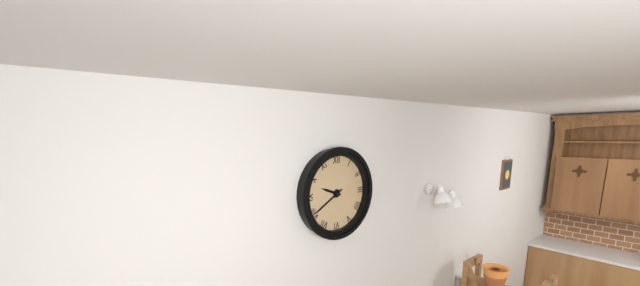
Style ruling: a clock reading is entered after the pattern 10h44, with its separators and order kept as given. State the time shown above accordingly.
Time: 9h40
